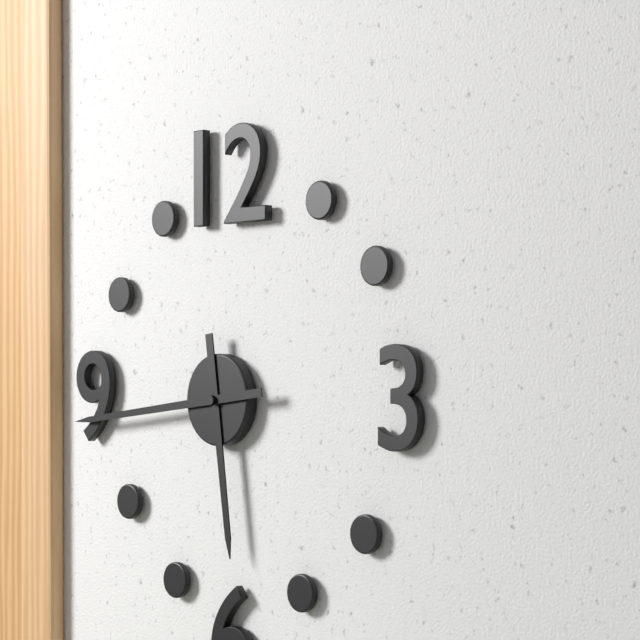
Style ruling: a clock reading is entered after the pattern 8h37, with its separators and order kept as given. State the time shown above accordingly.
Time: 5h44
